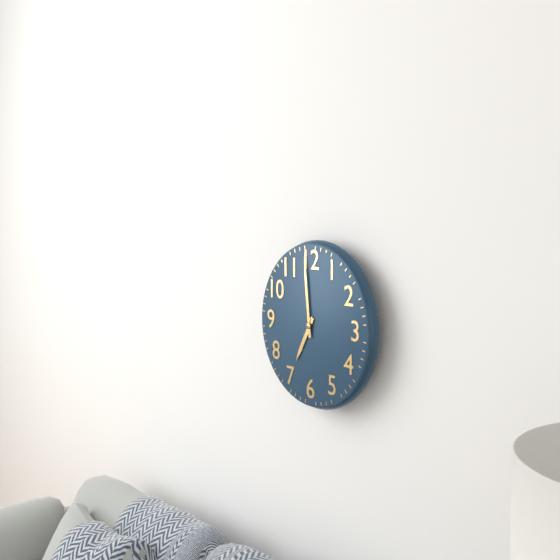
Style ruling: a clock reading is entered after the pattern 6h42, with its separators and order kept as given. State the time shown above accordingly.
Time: 6h59
